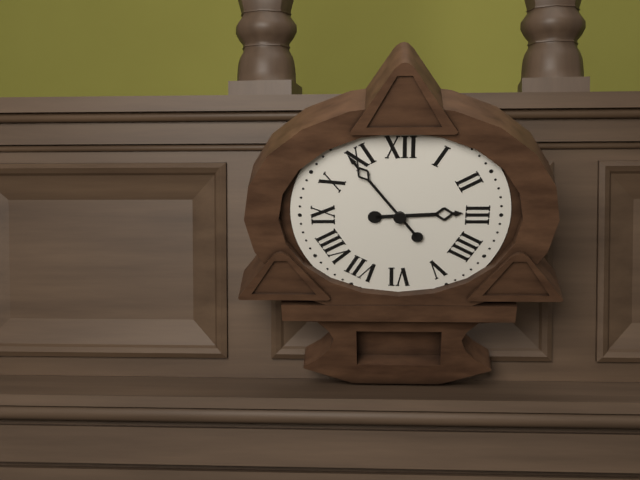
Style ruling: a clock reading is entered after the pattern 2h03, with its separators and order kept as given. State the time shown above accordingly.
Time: 2h54
